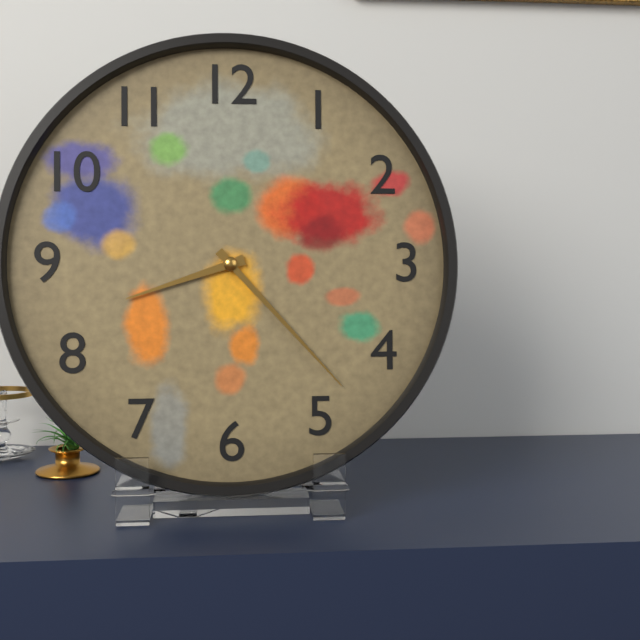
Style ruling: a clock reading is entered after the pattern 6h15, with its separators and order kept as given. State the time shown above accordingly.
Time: 8h23
